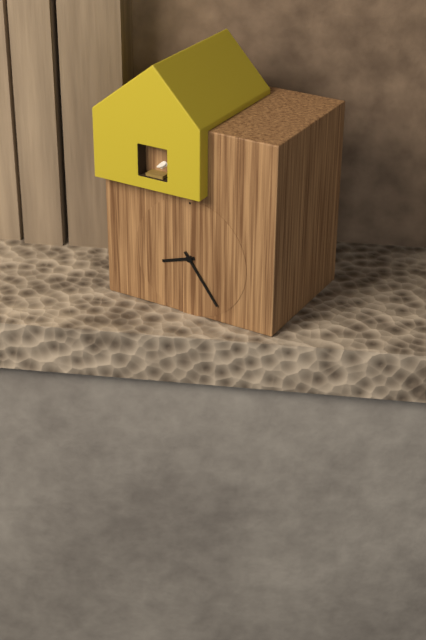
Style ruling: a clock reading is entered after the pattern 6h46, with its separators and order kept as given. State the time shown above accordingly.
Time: 8h24
